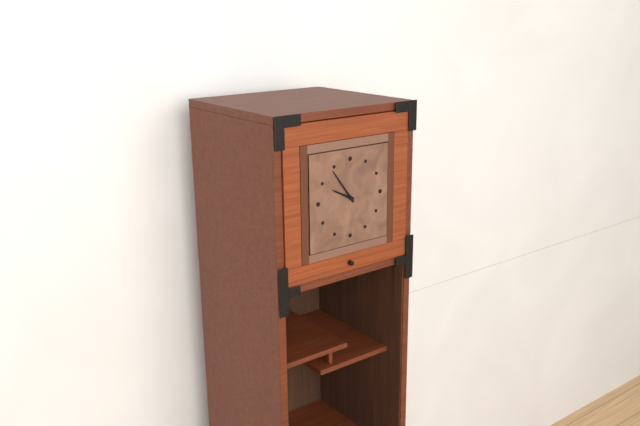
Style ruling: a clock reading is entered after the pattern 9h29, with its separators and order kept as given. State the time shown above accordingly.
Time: 9h54
